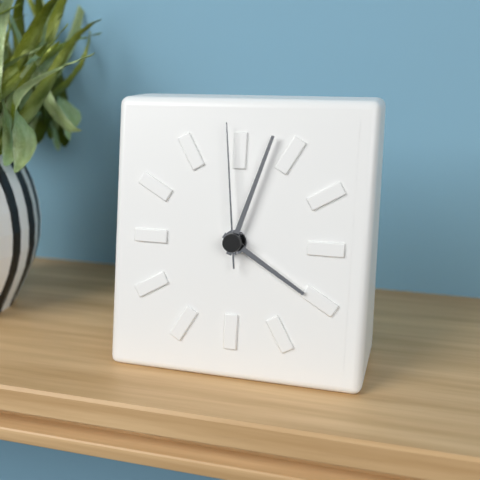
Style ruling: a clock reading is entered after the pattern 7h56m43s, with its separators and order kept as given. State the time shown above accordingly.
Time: 4h03m59s
